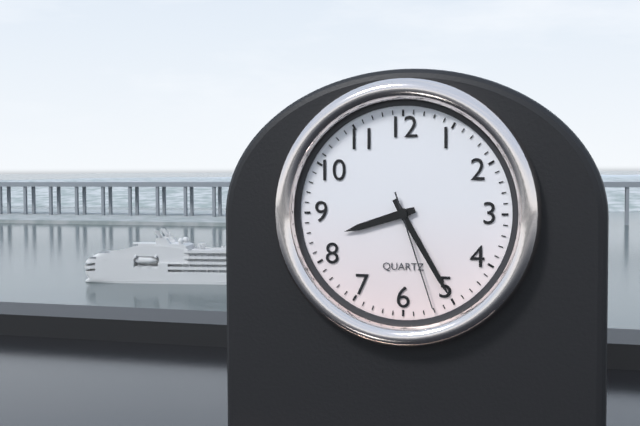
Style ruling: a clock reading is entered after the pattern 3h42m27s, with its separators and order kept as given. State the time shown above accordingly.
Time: 8h25m27s
